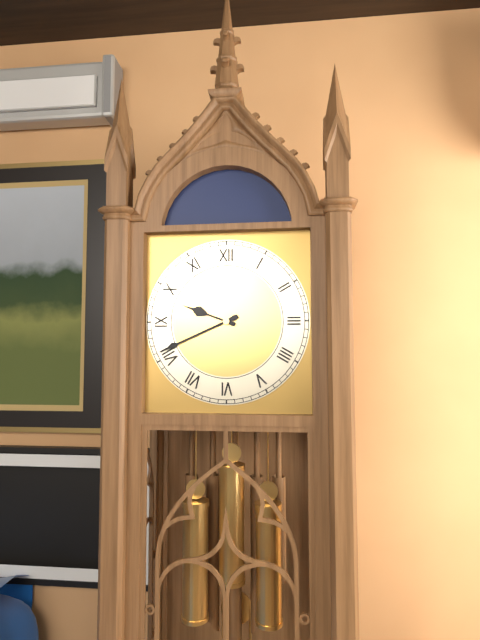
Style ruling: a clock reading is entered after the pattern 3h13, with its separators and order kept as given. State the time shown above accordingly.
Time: 9h41
